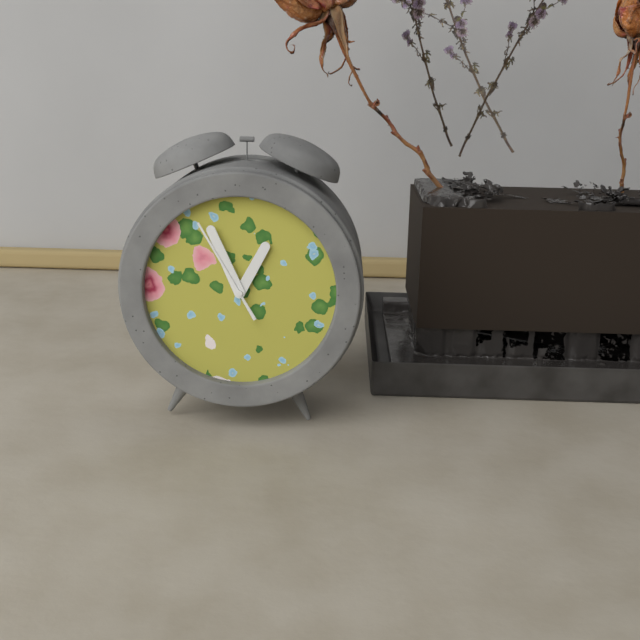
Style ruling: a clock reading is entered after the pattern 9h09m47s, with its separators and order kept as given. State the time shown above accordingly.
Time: 12h56m55s
